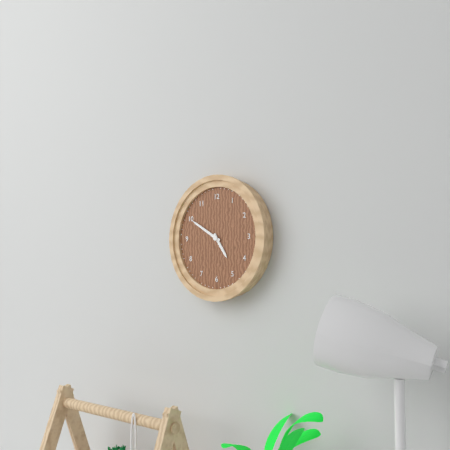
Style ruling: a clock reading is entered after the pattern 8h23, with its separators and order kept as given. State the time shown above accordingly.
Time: 4h50
